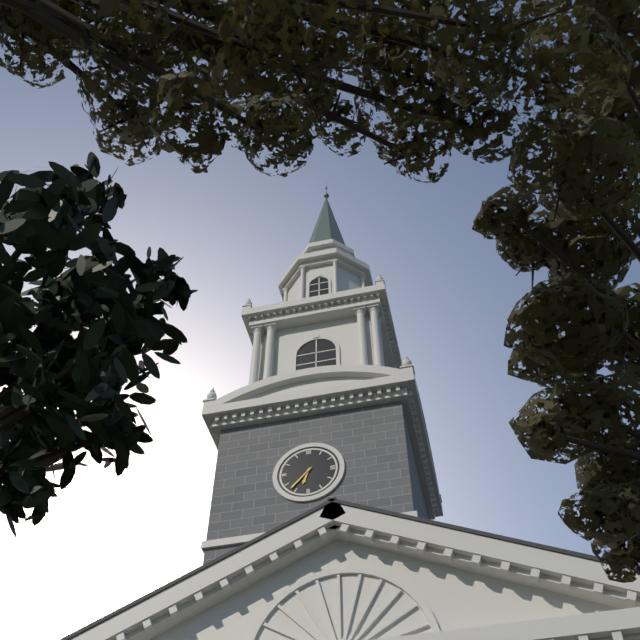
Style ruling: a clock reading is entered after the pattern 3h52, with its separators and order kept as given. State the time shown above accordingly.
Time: 6h37
